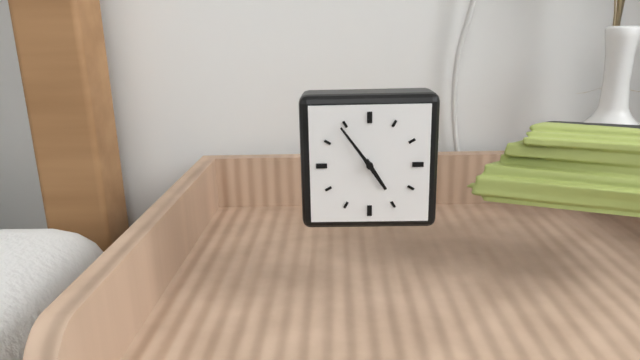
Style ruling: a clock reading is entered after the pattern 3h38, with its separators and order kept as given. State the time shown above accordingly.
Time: 4h54
